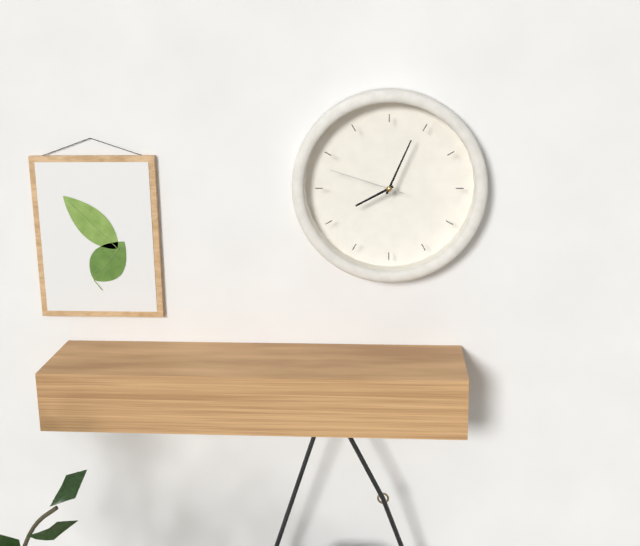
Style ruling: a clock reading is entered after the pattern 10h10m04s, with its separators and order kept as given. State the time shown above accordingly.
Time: 8h04m48s
